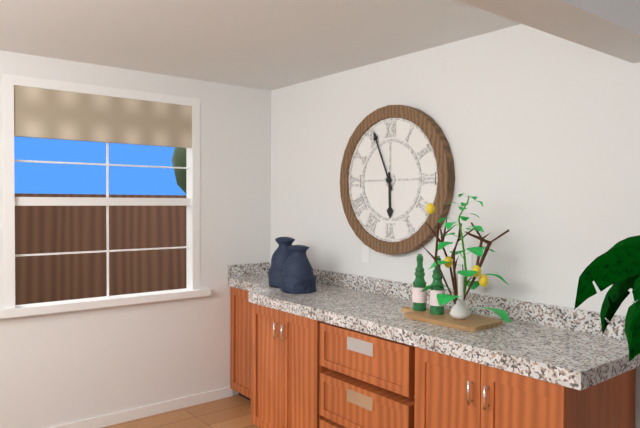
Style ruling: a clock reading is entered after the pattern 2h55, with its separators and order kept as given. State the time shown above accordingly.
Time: 5h56
